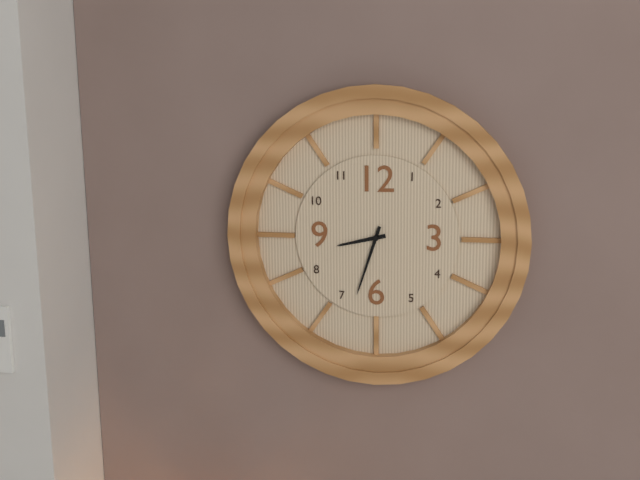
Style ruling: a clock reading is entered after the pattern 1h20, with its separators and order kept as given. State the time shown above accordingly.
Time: 8h33
